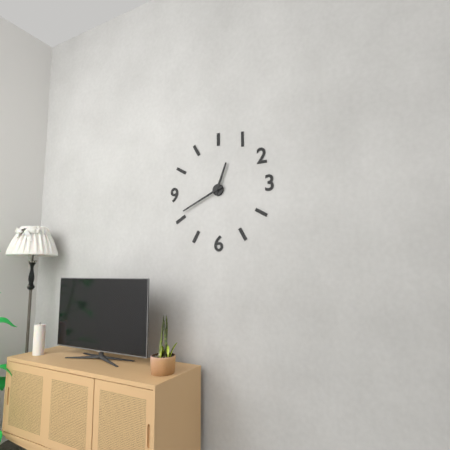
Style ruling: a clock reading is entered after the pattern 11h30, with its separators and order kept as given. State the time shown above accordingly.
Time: 12h41
